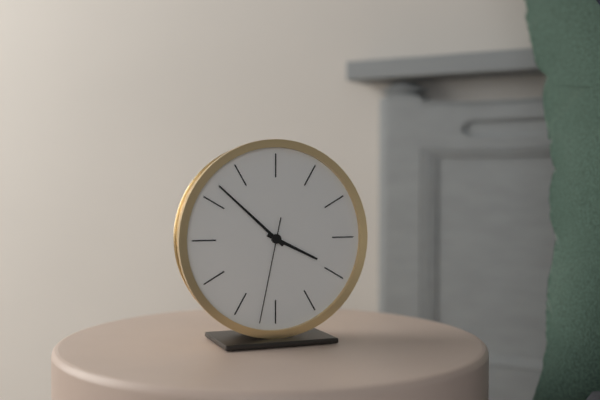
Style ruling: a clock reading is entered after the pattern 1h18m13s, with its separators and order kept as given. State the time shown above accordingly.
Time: 3h52m32s
